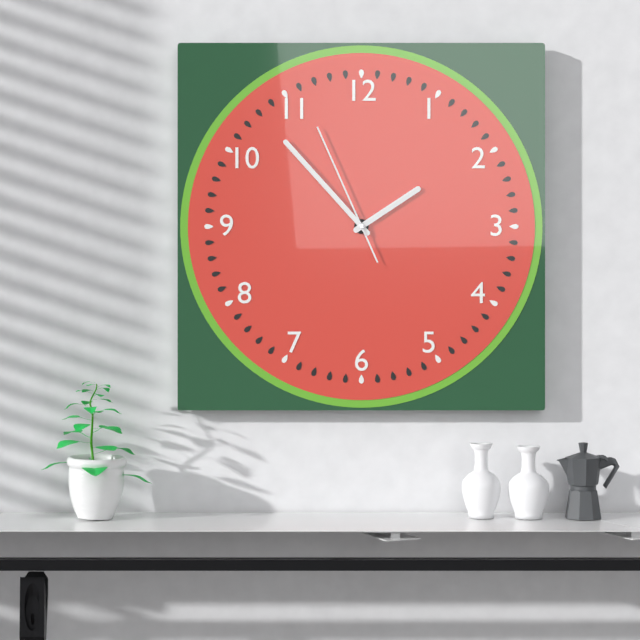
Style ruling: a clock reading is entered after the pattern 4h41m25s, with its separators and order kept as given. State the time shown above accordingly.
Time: 1h53m56s
